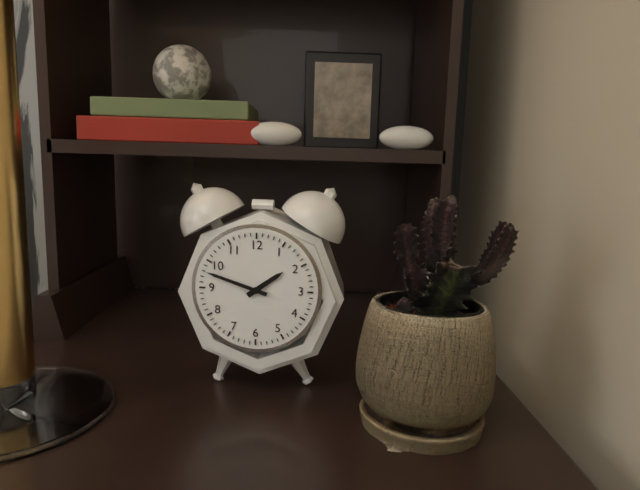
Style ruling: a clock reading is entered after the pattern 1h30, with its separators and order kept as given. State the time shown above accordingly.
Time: 1h48
